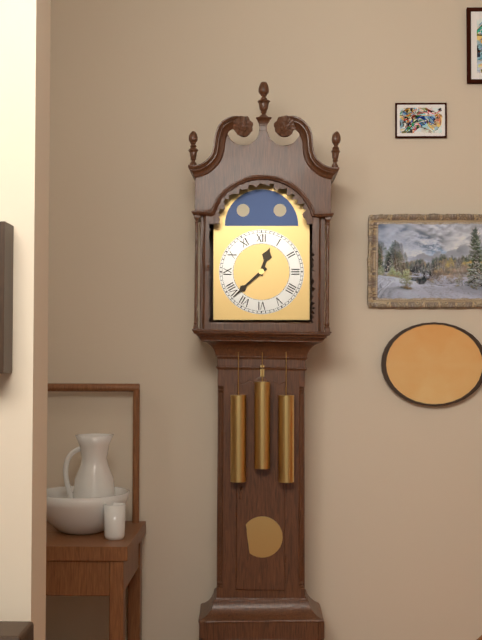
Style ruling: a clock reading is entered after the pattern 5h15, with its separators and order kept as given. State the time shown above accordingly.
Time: 12h38
